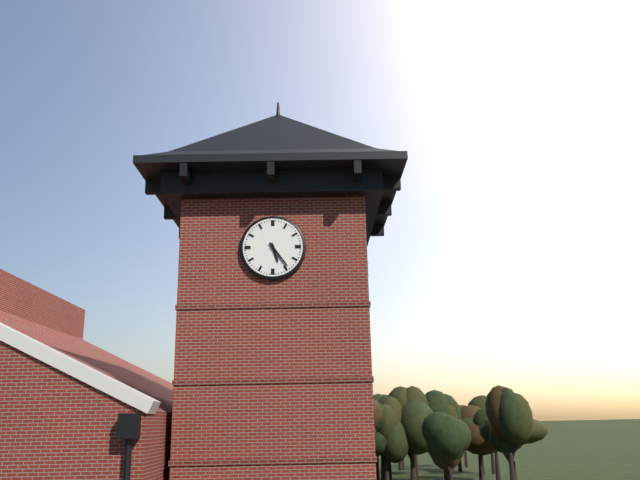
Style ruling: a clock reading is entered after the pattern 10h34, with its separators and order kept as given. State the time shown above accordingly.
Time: 5h24
